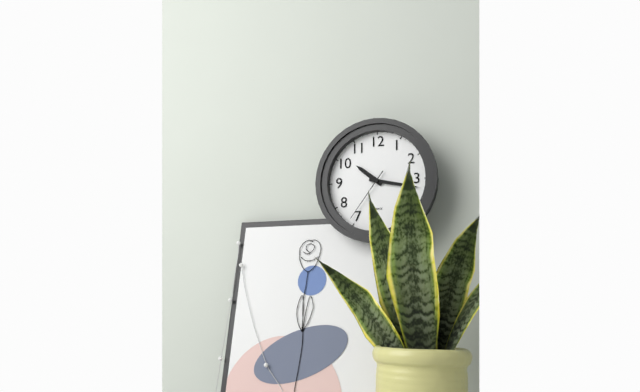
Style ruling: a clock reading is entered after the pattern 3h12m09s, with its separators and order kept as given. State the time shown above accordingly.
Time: 10h17m36s
